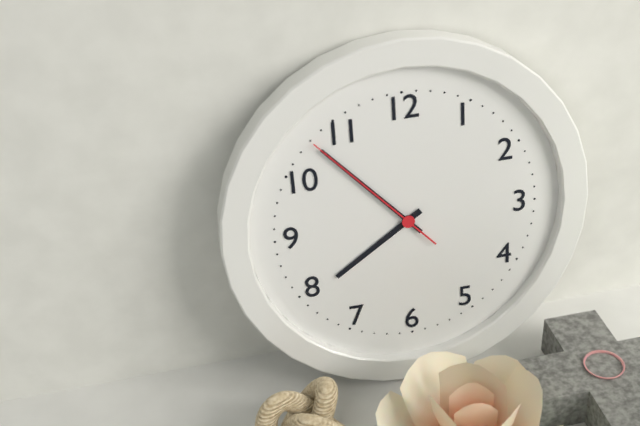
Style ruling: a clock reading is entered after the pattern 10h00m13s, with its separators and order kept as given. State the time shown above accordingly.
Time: 7h53m53s
